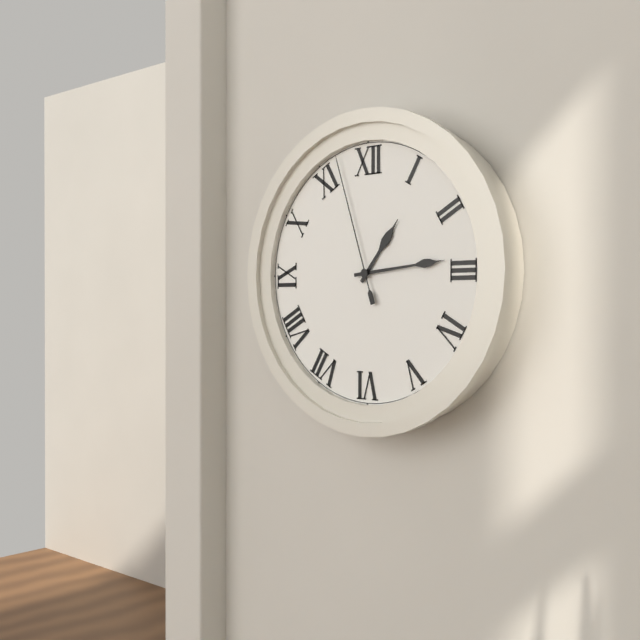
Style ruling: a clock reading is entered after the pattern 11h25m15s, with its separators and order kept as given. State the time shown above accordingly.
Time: 1h14m57s
